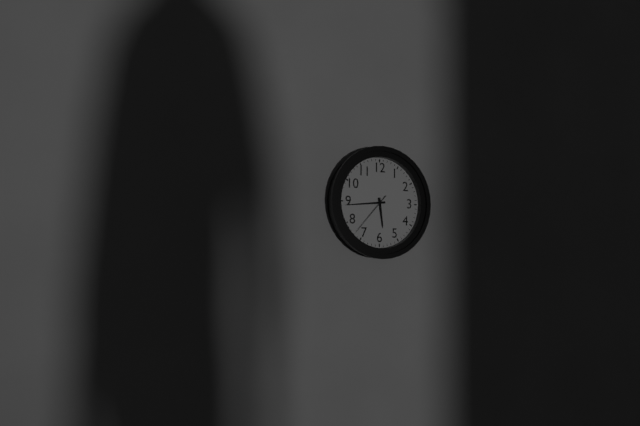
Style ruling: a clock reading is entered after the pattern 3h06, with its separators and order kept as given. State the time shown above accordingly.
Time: 5h44
